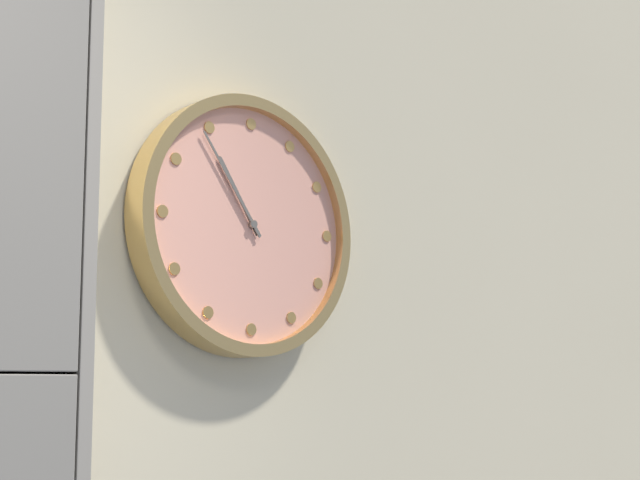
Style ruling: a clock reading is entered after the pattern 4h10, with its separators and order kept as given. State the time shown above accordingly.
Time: 10h54
